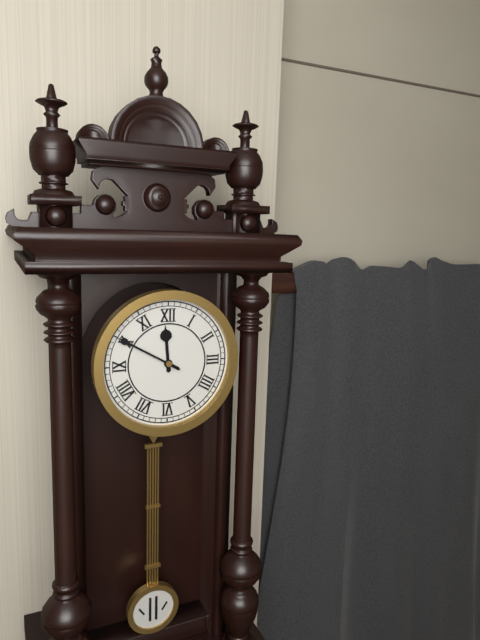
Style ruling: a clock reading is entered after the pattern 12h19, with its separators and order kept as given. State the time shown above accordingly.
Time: 11h50
